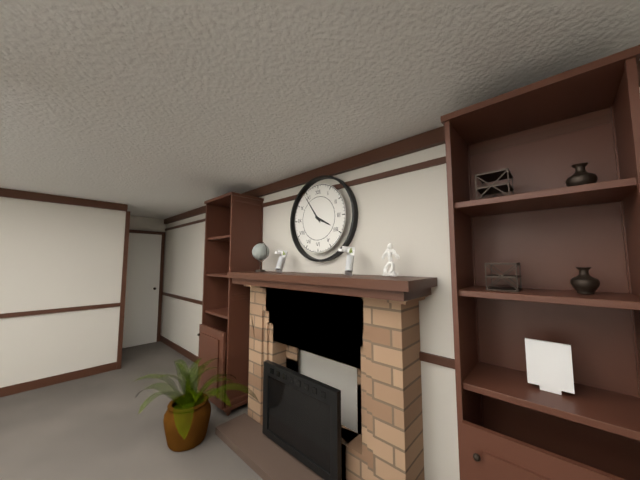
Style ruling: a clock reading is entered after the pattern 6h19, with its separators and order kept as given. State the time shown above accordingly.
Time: 3h54
